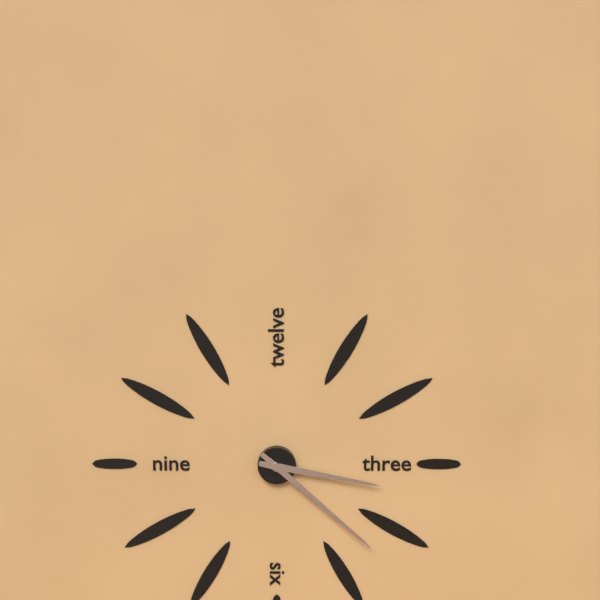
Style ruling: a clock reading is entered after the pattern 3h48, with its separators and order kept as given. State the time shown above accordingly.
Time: 3h22
